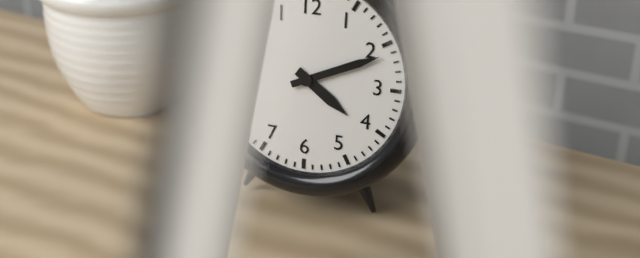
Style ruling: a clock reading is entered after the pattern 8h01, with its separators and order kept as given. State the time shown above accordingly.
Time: 4h11
